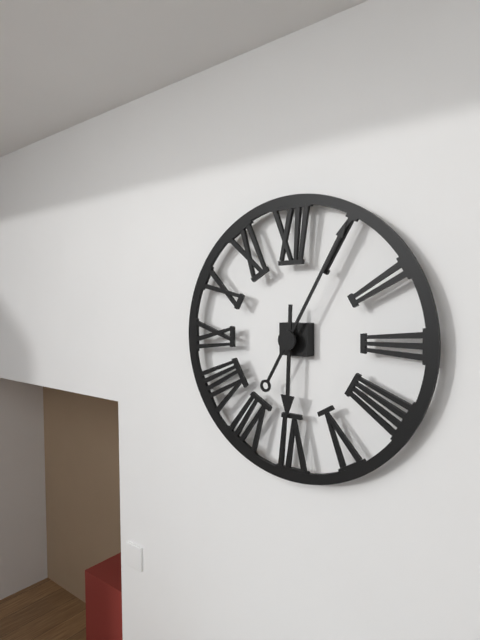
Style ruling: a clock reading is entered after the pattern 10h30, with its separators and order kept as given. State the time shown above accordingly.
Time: 6h05
